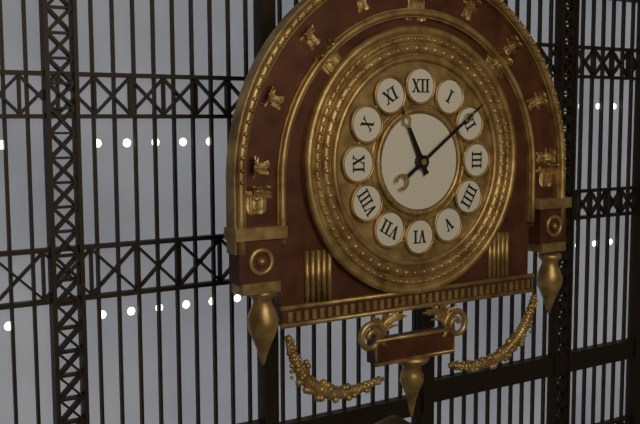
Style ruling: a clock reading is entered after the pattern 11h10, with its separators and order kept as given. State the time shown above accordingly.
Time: 11h09
